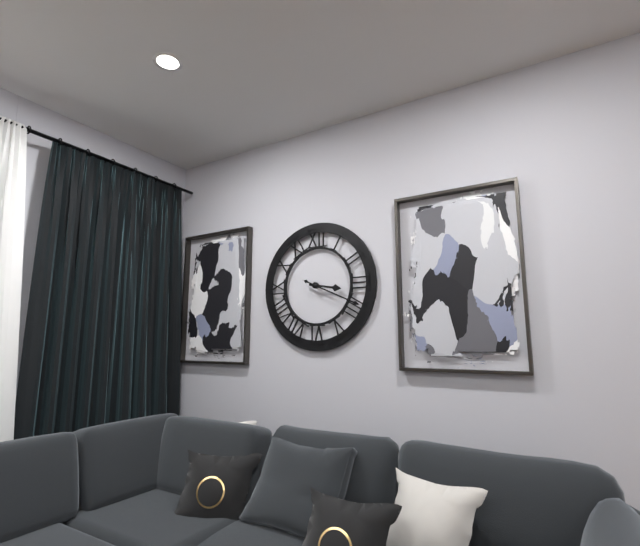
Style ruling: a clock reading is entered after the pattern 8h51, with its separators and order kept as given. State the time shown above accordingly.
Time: 3h19
